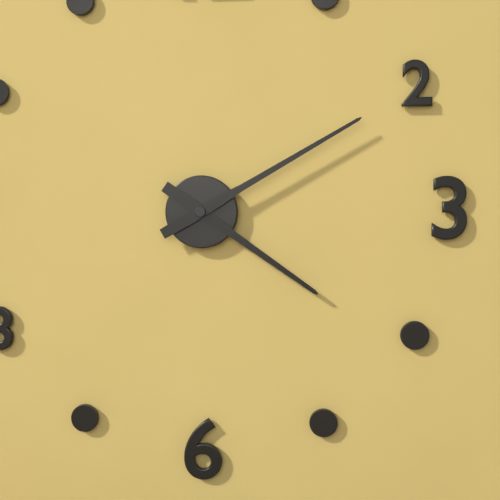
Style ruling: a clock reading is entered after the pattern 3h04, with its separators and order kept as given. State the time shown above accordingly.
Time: 4h10
